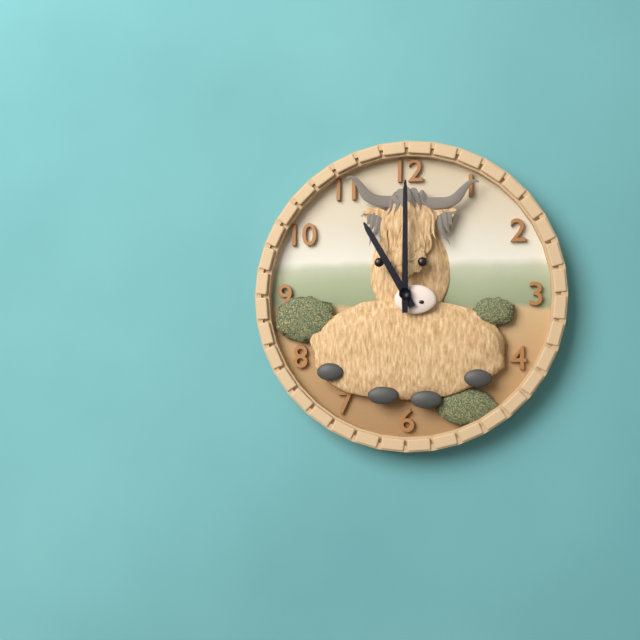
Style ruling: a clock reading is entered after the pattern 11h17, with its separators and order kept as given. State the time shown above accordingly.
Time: 11h00
